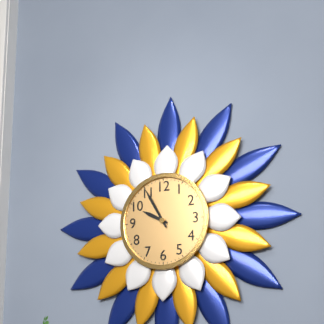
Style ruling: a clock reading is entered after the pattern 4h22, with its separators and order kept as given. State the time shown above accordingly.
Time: 9h55
